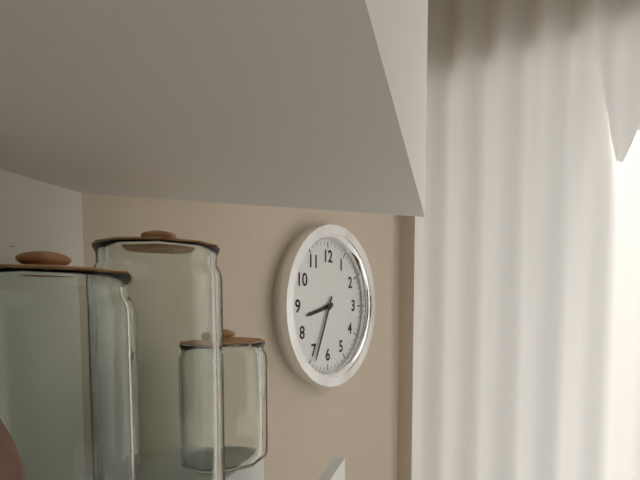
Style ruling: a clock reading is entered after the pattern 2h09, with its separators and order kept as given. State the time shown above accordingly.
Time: 8h34
